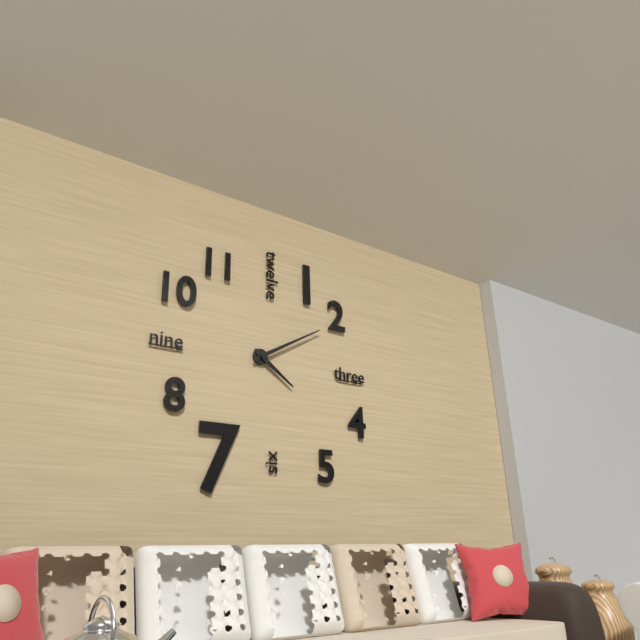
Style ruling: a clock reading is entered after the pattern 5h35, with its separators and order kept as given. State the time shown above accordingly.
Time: 4h10
